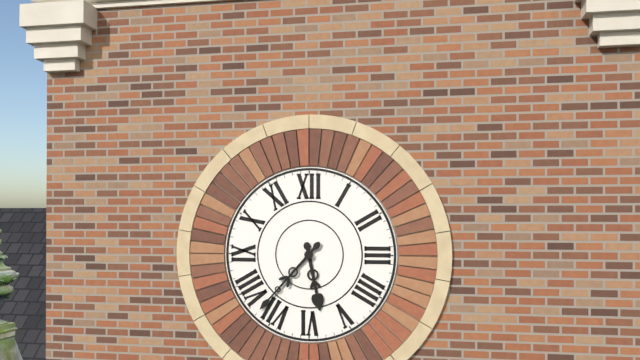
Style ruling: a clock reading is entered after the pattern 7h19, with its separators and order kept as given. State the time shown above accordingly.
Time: 5h37
